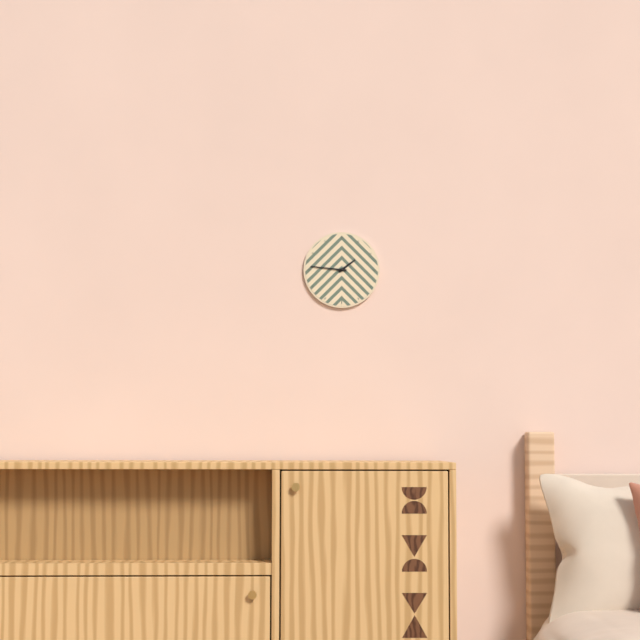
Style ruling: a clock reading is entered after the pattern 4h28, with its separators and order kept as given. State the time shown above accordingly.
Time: 1h46
